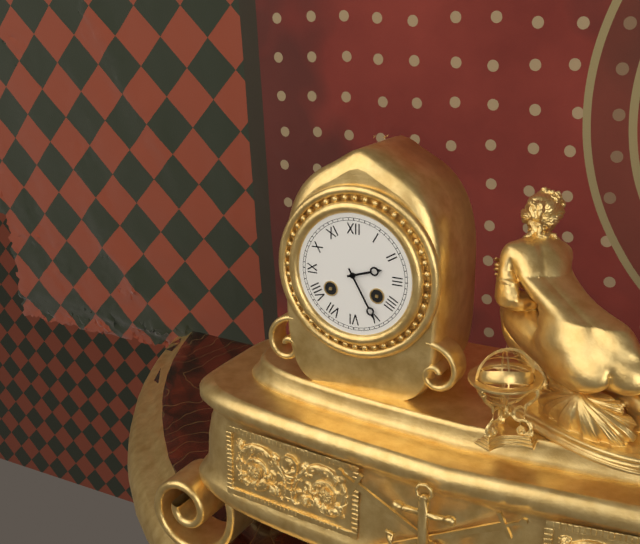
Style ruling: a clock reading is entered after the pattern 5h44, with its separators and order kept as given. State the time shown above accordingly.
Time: 2h25
